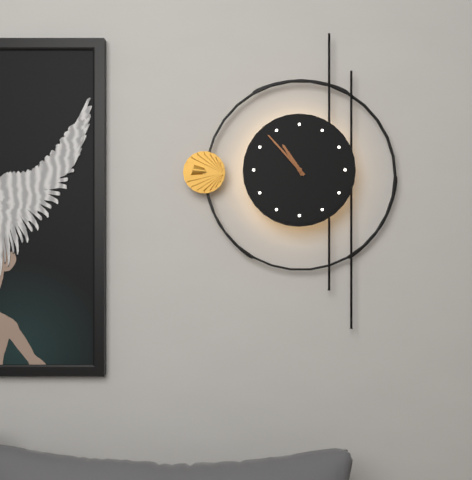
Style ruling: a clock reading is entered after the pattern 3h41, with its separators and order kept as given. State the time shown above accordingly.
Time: 10h53
